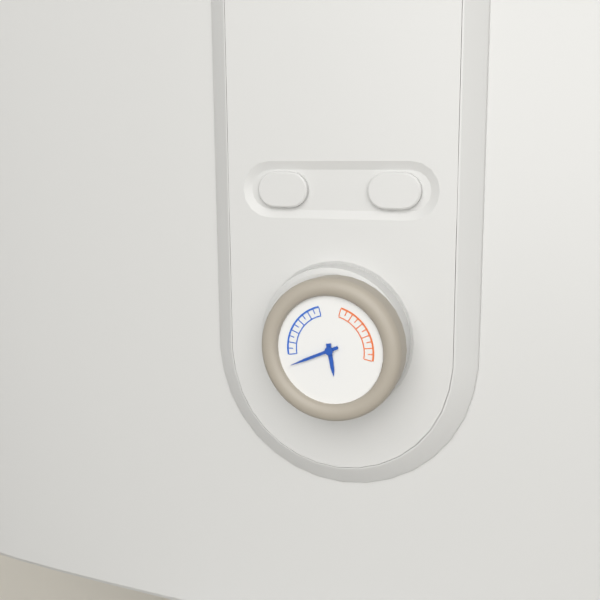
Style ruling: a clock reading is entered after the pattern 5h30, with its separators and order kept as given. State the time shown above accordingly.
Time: 5h41
